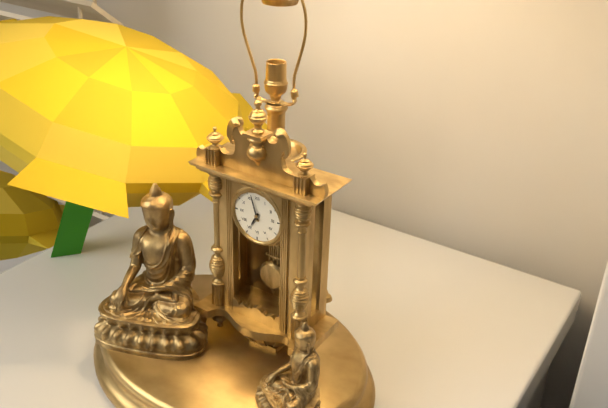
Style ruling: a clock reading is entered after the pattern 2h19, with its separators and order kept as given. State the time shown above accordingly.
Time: 6h57
